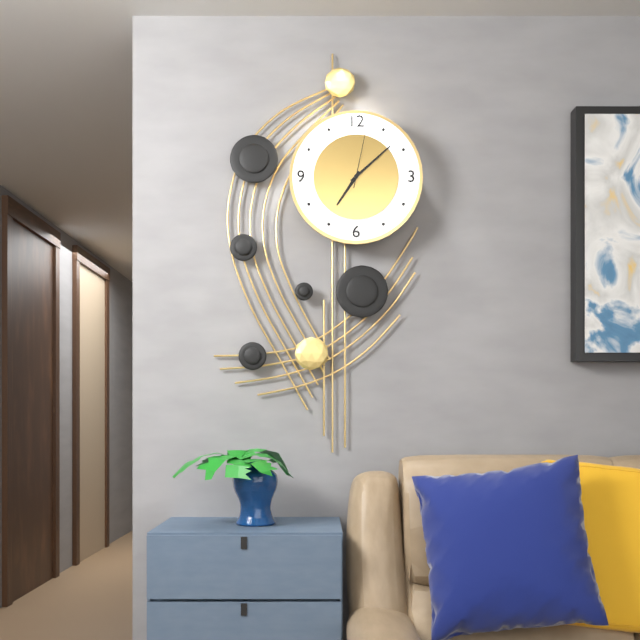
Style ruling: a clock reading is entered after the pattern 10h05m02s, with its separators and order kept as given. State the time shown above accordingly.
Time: 7h08m02s
